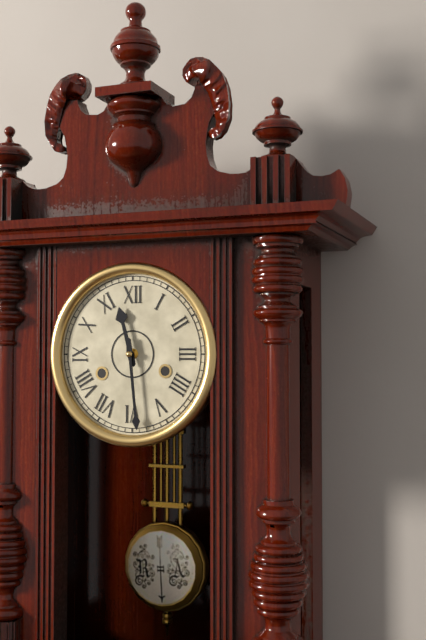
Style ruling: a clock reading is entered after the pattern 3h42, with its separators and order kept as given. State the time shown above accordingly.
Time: 11h29
